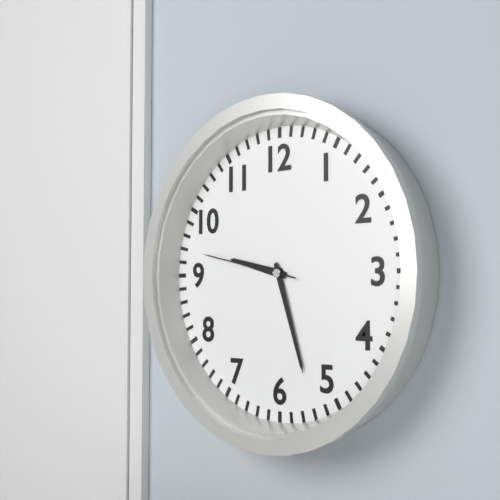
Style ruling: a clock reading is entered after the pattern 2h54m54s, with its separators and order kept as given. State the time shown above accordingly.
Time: 9h27m47s
